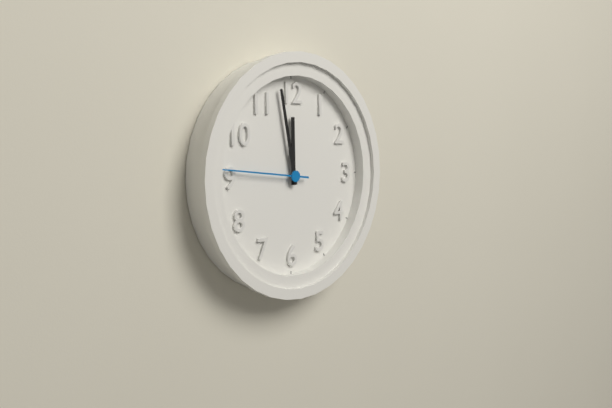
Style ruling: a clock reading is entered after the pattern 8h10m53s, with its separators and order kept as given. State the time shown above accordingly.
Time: 11h58m46s
